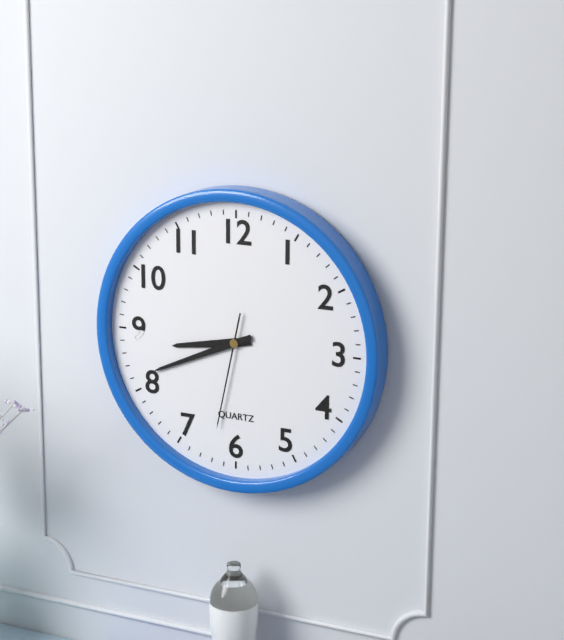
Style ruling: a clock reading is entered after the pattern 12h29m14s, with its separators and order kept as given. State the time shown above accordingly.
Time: 8h41m32s
